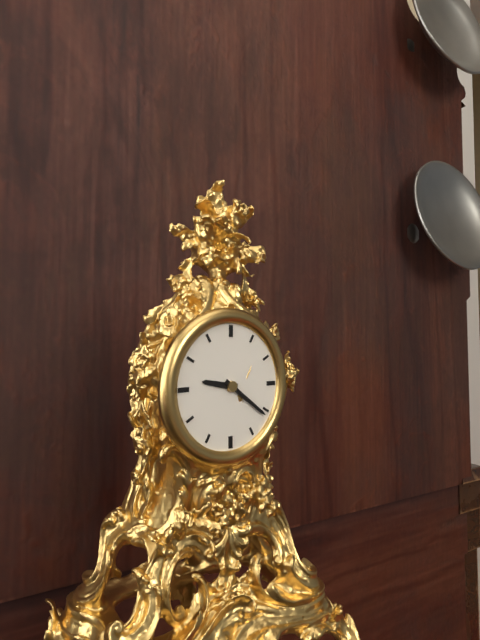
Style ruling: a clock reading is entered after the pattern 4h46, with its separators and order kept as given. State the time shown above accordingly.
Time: 9h21
